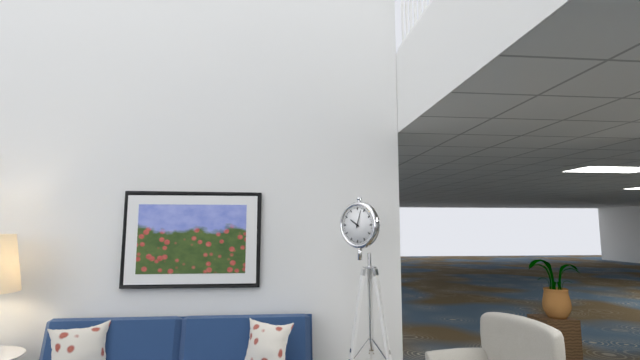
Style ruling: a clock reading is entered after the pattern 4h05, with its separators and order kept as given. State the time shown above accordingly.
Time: 10h03
